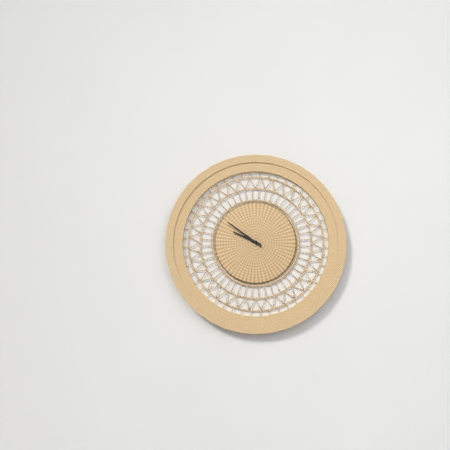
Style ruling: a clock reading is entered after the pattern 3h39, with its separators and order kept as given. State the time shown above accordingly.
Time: 9h51
